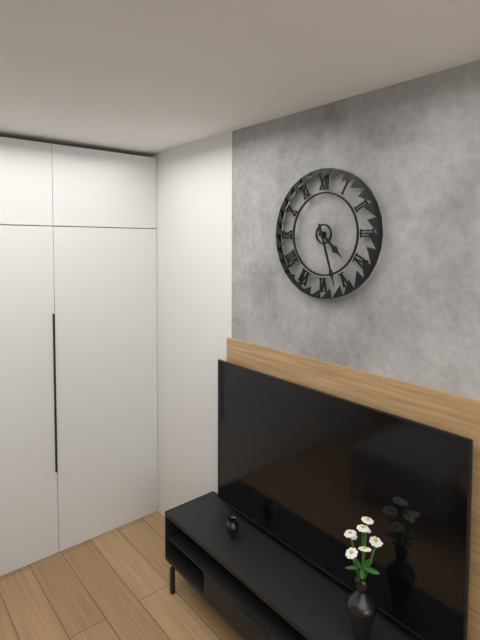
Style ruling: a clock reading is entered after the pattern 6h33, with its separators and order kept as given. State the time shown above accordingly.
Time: 4h27
